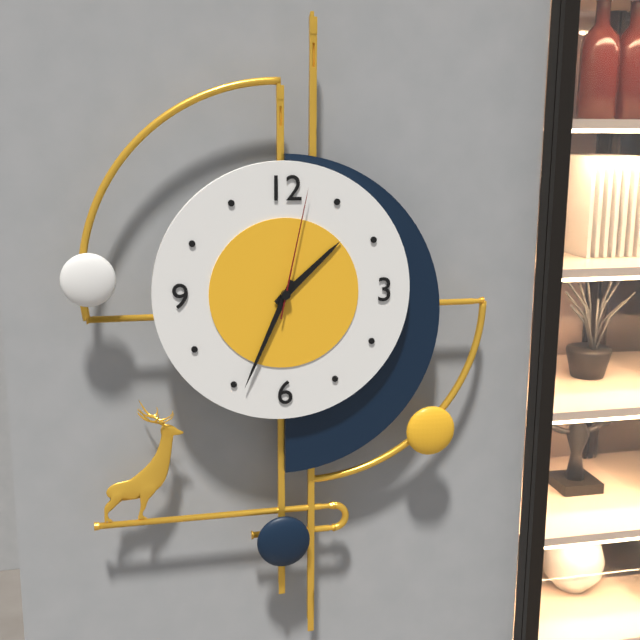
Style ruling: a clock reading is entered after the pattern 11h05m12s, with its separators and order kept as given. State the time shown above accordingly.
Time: 1h34m02s
